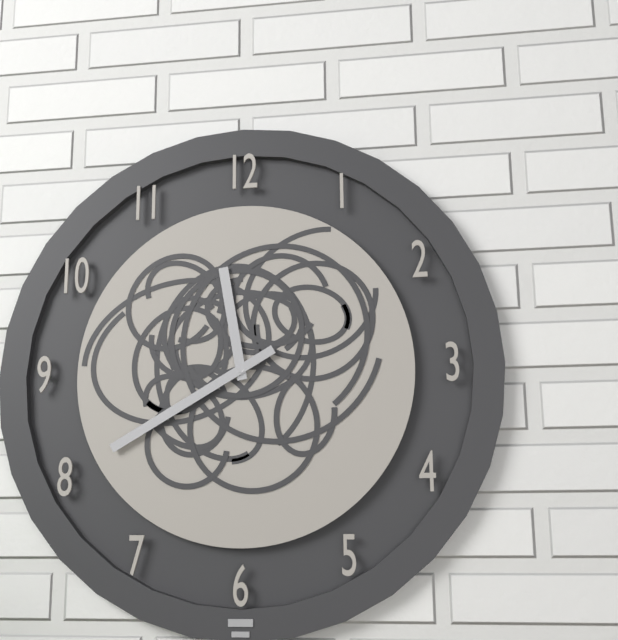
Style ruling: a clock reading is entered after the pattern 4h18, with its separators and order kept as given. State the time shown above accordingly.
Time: 11h40
